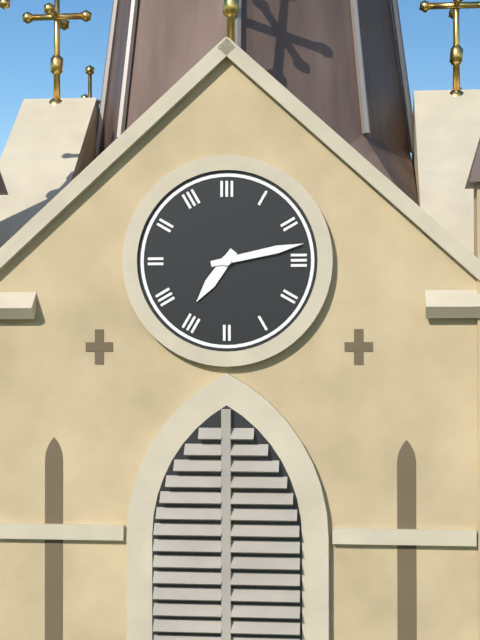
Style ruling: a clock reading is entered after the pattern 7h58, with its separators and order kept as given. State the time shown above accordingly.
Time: 7h13
